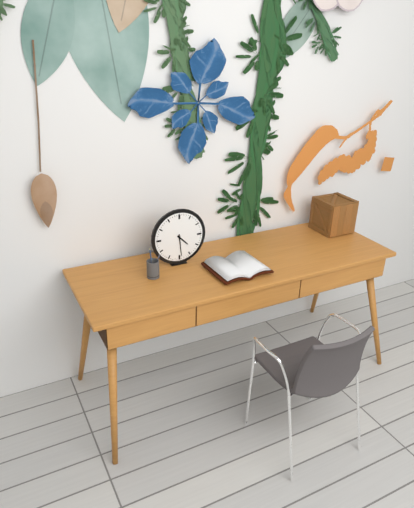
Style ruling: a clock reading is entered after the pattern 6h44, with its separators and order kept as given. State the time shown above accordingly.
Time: 4h29
